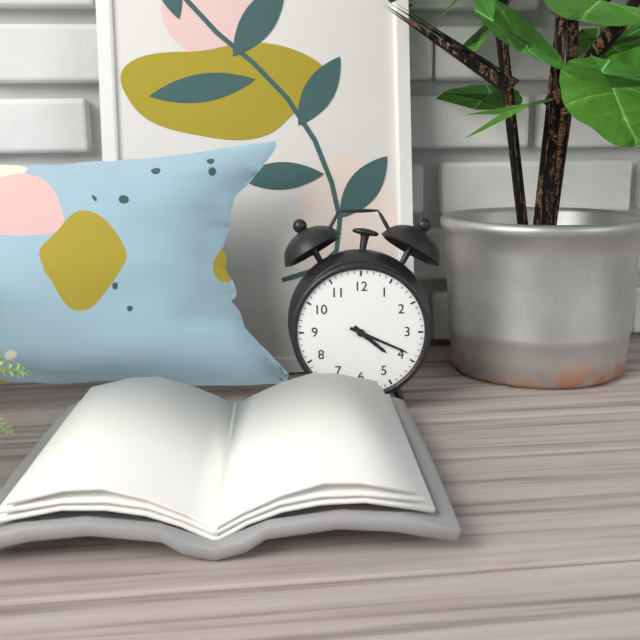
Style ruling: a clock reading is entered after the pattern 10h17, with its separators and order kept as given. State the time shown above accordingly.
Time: 4h19
